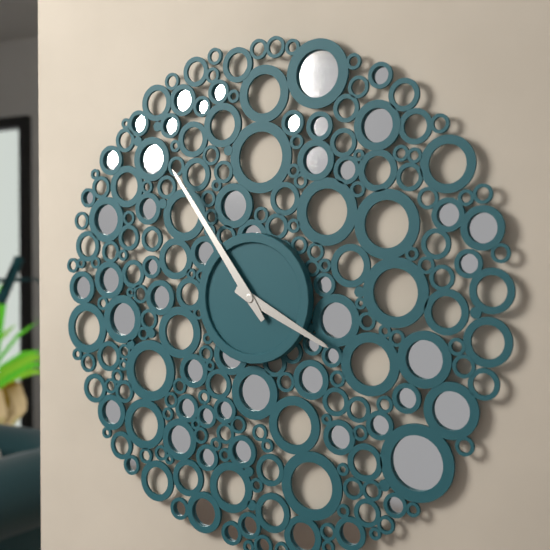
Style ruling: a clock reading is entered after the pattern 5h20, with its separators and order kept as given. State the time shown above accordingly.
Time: 3h54
